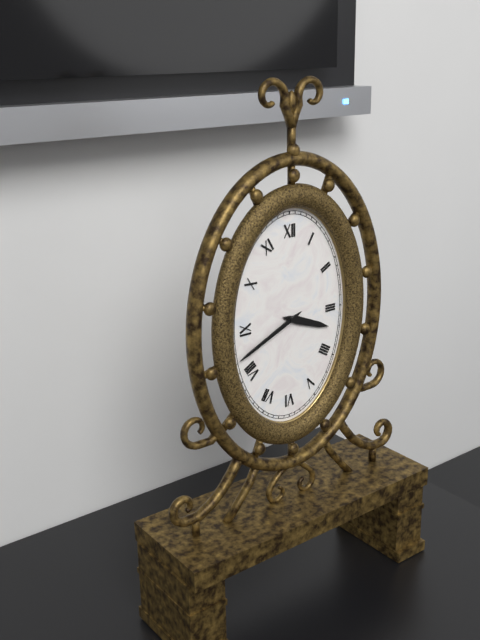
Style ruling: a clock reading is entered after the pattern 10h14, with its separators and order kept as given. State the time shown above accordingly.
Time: 3h41
